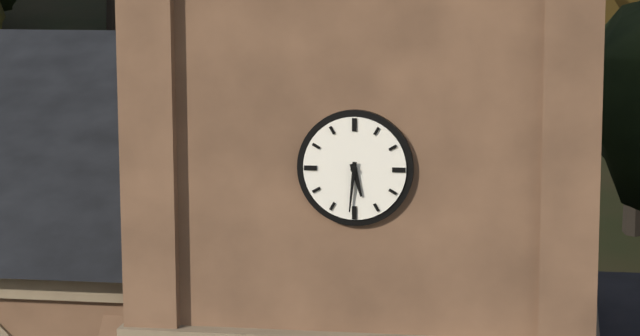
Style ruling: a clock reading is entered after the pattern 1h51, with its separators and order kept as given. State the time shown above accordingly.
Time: 5h31
